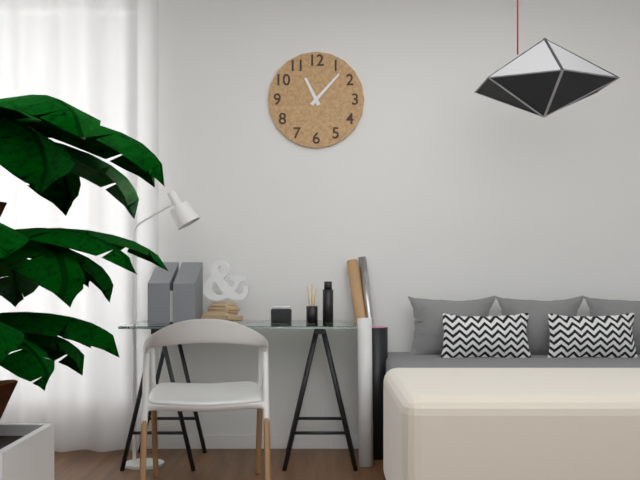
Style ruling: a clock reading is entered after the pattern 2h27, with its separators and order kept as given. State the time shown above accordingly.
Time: 11h07
